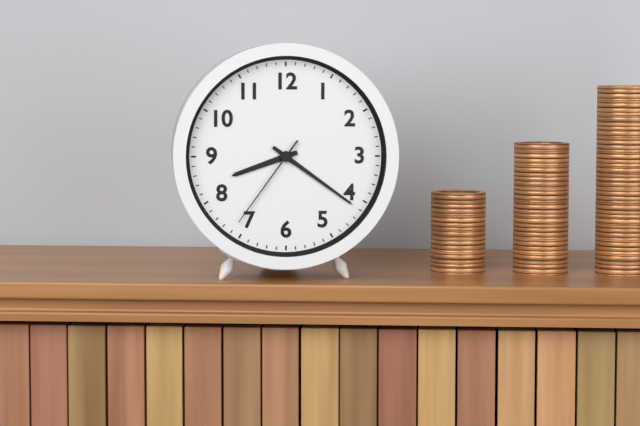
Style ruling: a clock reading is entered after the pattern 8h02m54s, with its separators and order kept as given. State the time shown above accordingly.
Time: 8h21m36s
